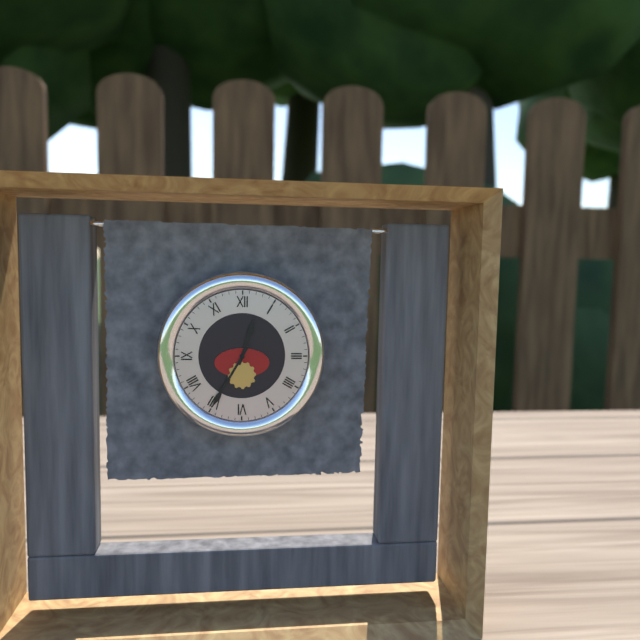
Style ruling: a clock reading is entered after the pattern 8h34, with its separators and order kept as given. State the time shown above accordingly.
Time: 12h35
